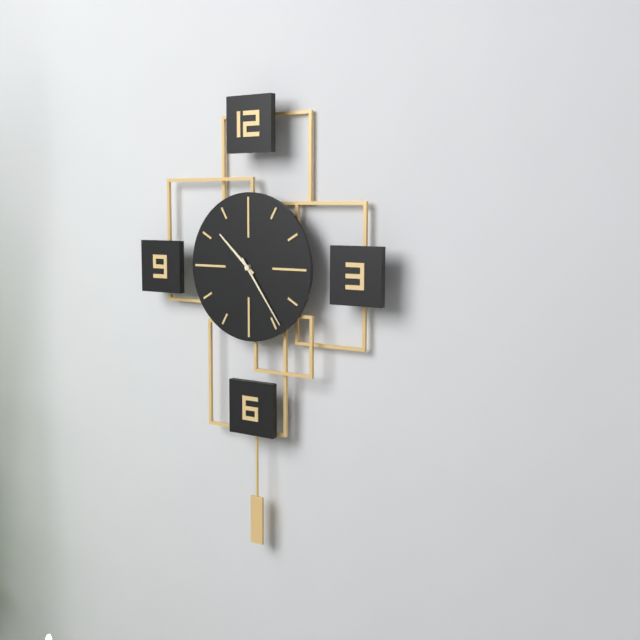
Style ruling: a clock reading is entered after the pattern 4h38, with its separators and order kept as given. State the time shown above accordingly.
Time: 10h24
